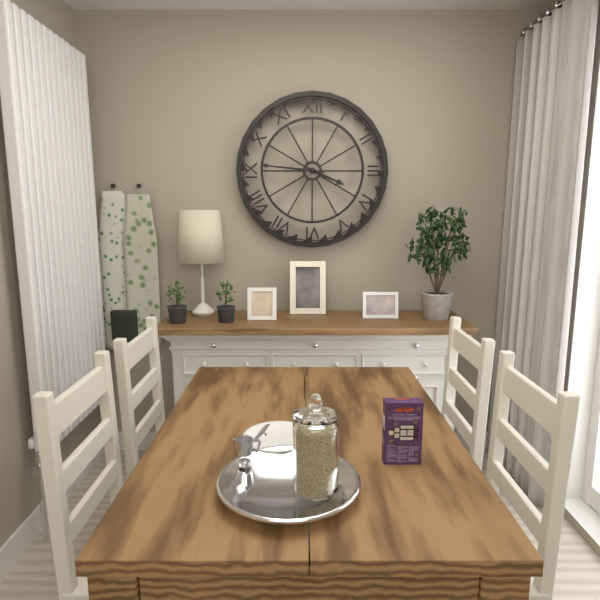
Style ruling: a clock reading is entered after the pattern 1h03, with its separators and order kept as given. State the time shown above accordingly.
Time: 3h46
